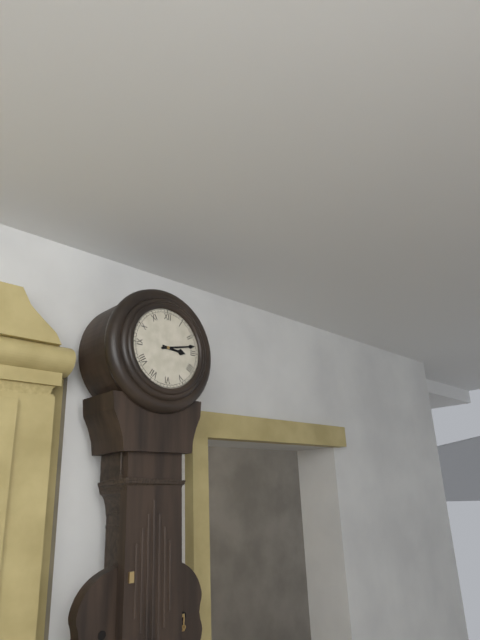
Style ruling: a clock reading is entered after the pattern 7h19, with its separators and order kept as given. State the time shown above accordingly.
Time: 3h13
